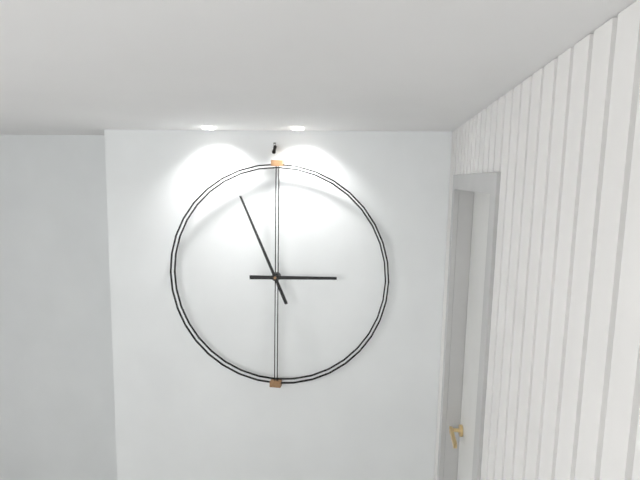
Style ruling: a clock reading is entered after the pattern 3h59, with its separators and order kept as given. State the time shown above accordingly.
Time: 2h56
